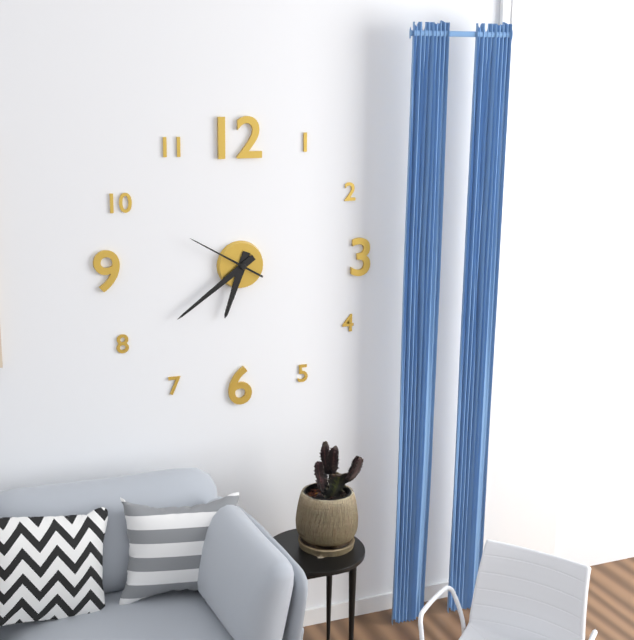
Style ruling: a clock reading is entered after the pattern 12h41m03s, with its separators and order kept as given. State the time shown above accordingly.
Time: 6h39m50s
